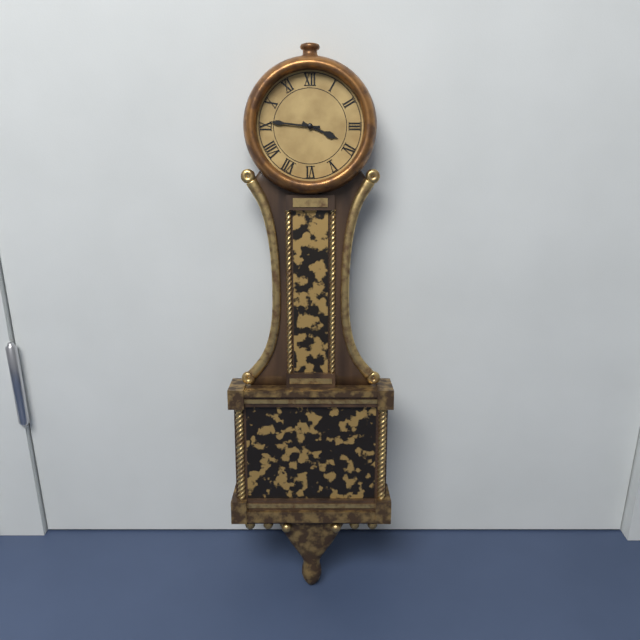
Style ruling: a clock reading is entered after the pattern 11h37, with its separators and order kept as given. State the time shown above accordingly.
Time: 3h46
